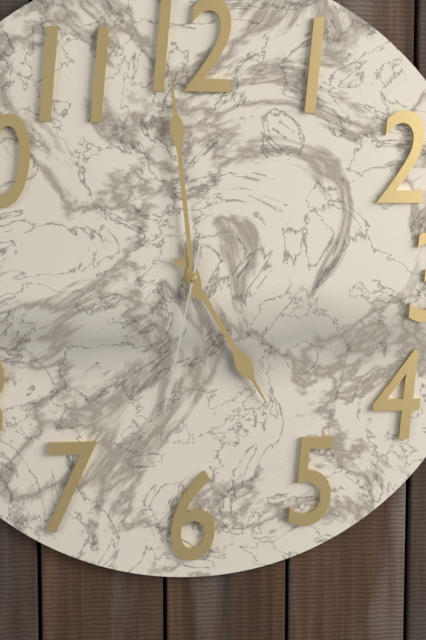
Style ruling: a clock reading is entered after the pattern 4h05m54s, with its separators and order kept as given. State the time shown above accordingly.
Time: 4h59m32s
